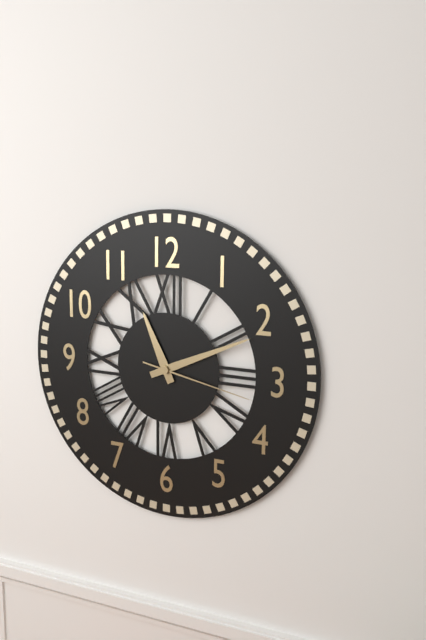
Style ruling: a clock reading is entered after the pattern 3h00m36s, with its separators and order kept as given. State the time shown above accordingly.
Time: 11h11m17s
